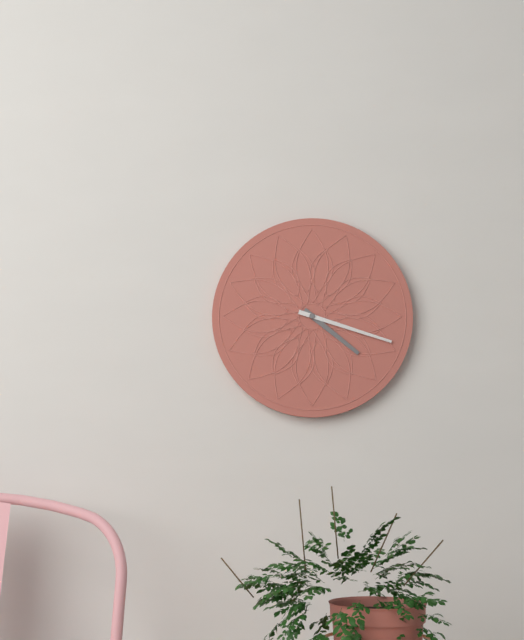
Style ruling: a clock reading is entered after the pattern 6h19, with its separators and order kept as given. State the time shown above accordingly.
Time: 4h18
